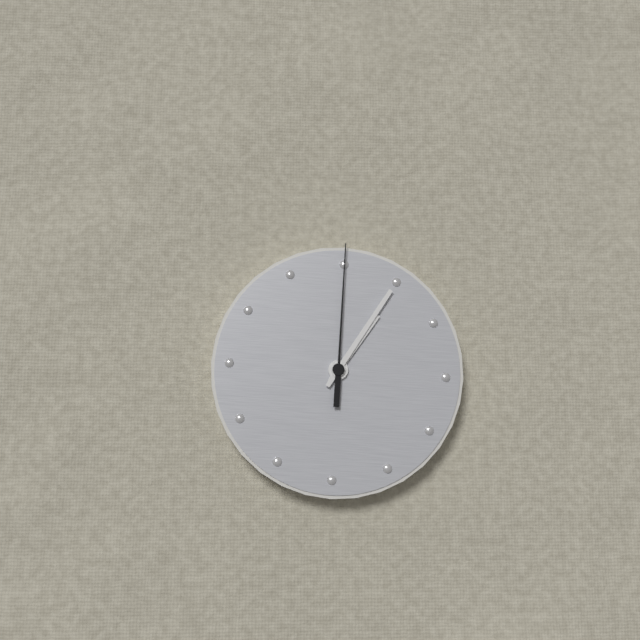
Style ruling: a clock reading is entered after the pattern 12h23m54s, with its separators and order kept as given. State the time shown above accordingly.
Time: 1h05m00s
